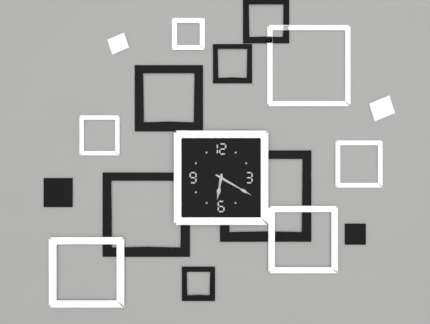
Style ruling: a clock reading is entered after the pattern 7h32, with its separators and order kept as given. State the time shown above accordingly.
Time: 6h20
